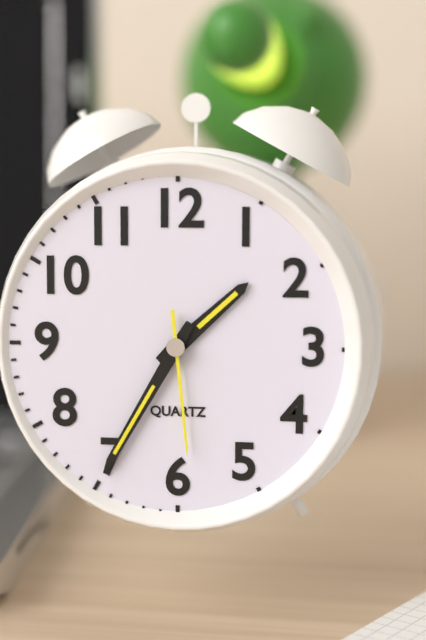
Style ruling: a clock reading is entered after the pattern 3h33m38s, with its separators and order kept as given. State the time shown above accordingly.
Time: 1h35m29s
